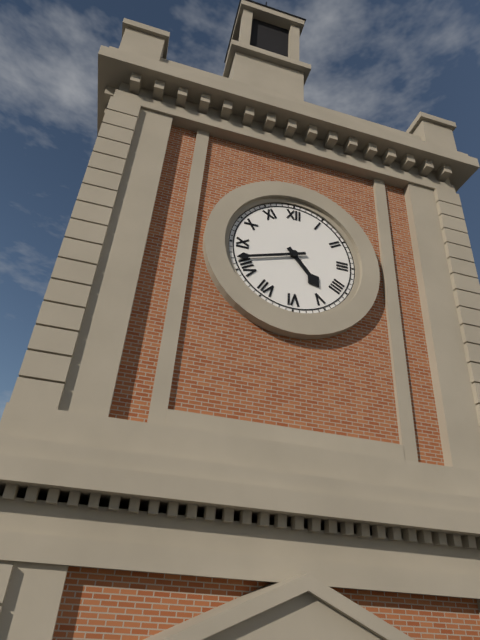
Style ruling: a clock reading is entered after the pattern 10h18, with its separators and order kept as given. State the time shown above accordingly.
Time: 4h42
